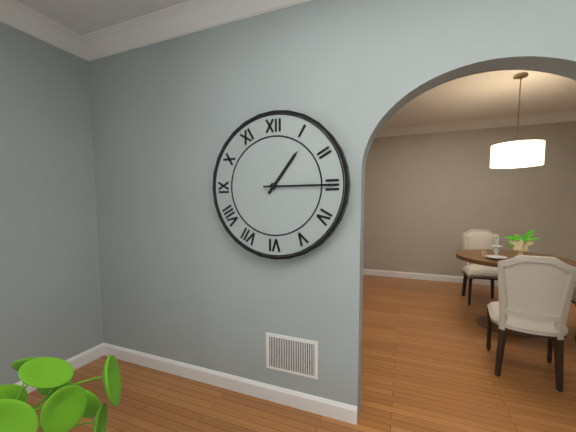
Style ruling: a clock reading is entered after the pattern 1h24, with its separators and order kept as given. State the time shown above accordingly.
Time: 1h15
